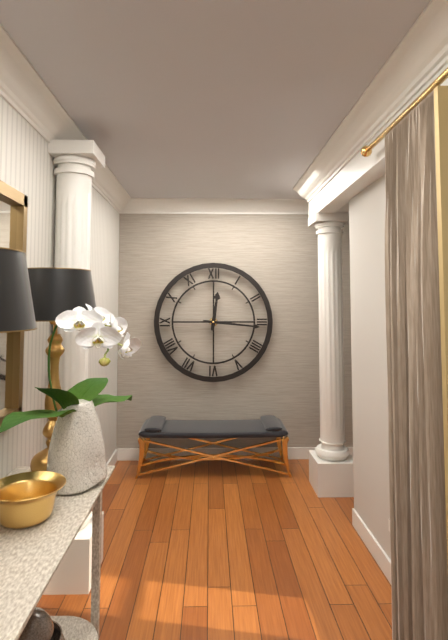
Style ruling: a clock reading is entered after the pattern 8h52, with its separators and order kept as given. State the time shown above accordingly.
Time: 12h16
